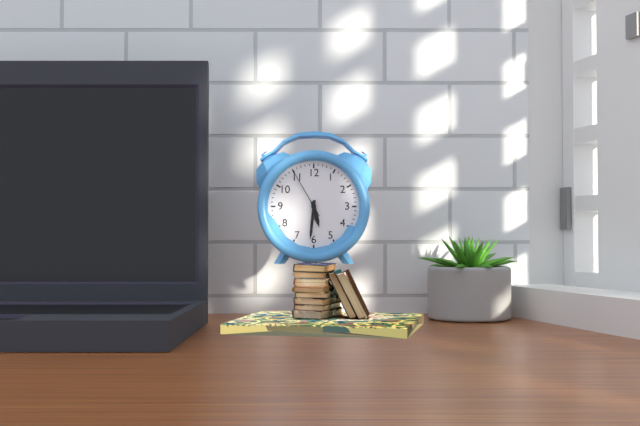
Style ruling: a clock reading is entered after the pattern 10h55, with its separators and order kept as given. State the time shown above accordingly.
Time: 5h31
